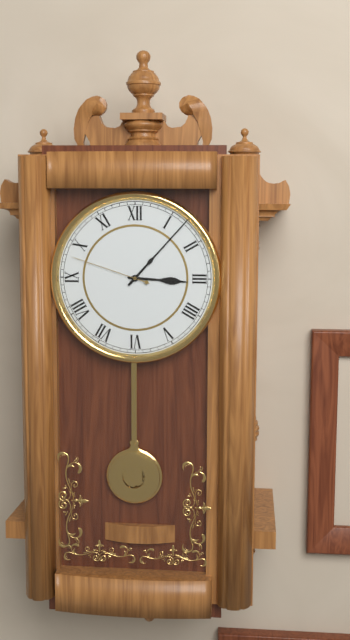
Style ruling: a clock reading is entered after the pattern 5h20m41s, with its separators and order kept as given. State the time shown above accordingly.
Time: 3h07m48s
